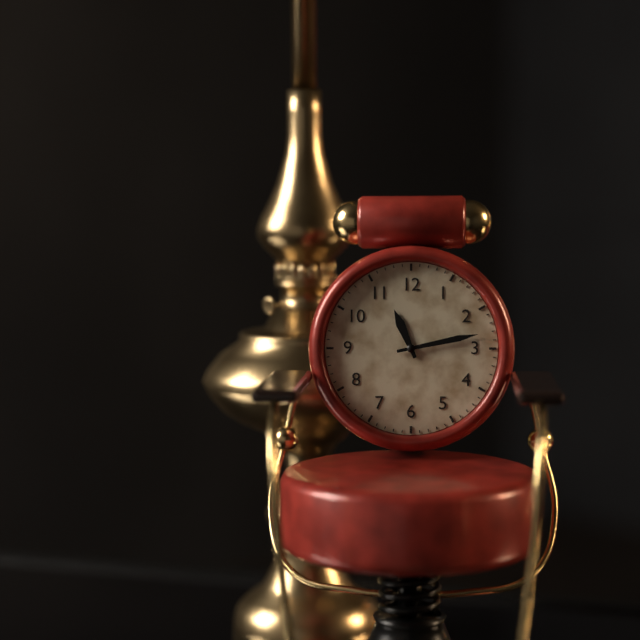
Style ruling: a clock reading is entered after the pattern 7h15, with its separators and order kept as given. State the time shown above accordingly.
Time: 11h13
